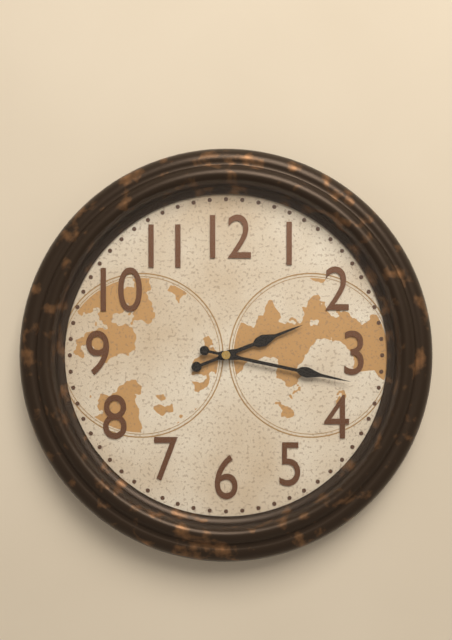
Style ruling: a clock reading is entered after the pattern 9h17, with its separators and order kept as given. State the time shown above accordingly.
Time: 2h17
